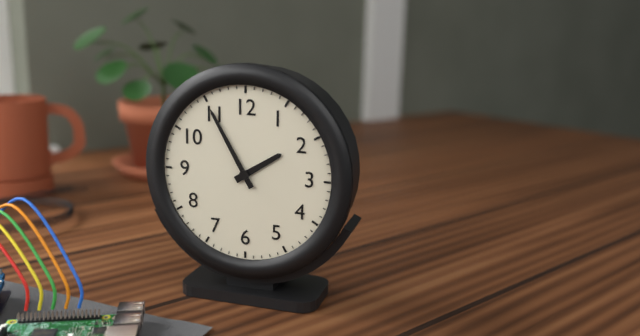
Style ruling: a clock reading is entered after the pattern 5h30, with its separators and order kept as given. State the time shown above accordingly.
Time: 1h55
